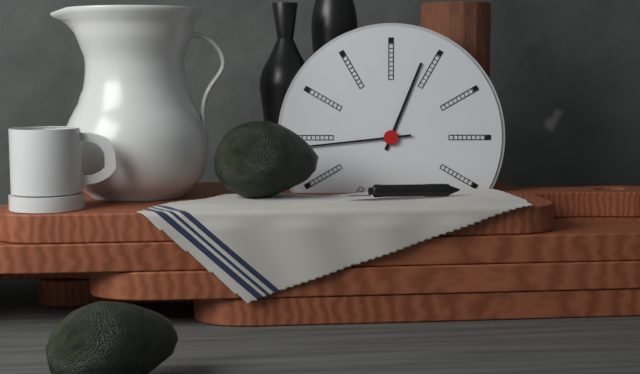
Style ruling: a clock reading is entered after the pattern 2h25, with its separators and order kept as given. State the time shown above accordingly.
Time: 12h44
